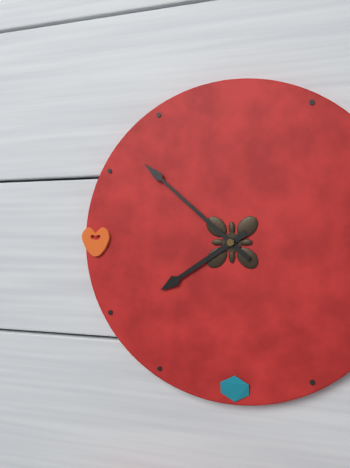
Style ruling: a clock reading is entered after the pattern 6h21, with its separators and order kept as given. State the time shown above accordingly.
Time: 7h52
